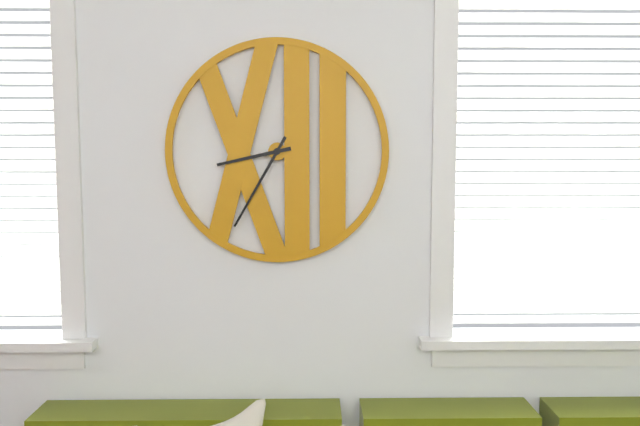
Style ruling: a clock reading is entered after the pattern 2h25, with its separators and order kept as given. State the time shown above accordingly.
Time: 8h35
